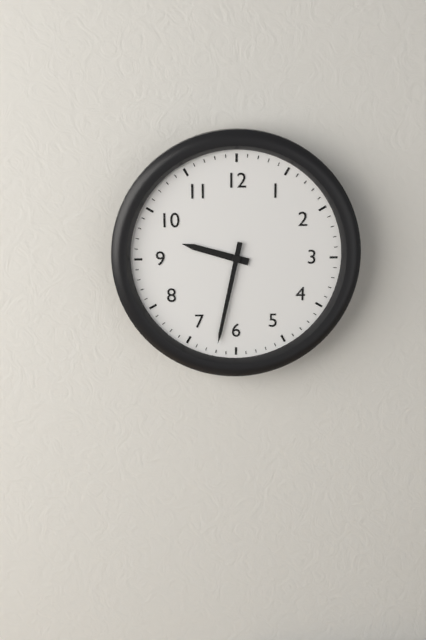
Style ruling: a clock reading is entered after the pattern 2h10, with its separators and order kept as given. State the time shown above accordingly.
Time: 9h32
